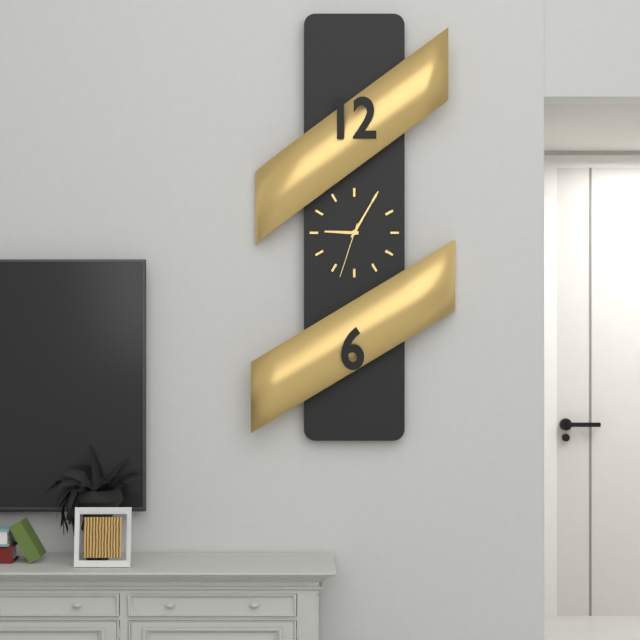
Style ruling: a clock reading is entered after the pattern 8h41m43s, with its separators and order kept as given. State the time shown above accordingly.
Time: 9h05m33s
